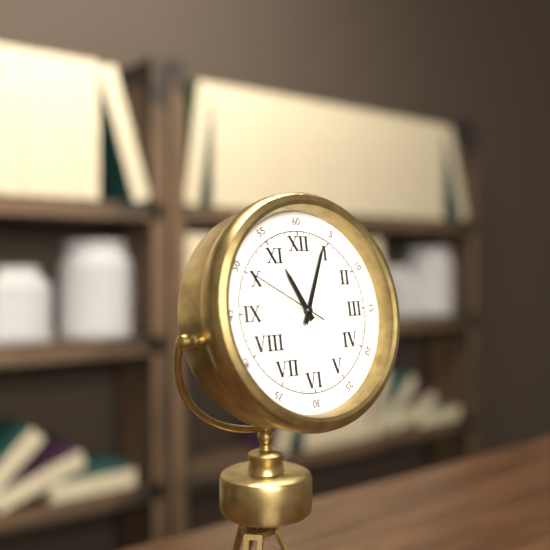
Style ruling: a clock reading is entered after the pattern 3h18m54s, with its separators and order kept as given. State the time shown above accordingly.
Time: 11h04m50s
